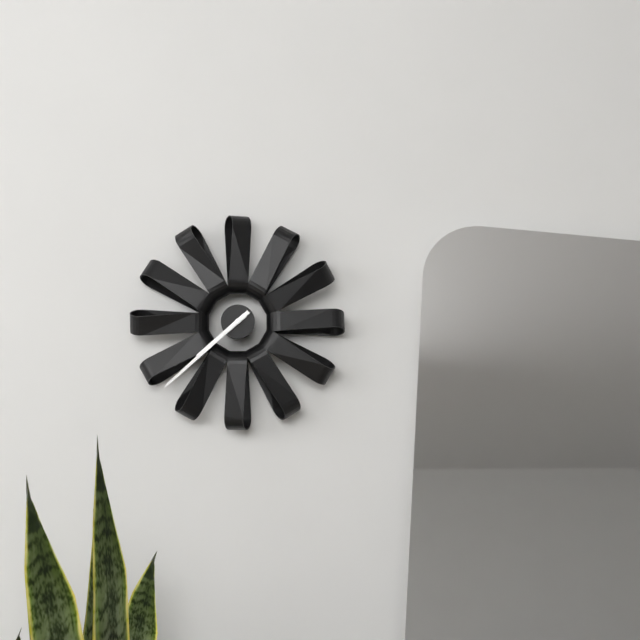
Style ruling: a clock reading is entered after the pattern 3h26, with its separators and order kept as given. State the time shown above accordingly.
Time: 7h38
